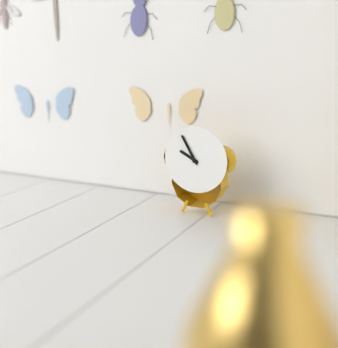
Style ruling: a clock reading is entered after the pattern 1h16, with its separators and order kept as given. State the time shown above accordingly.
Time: 9h55
